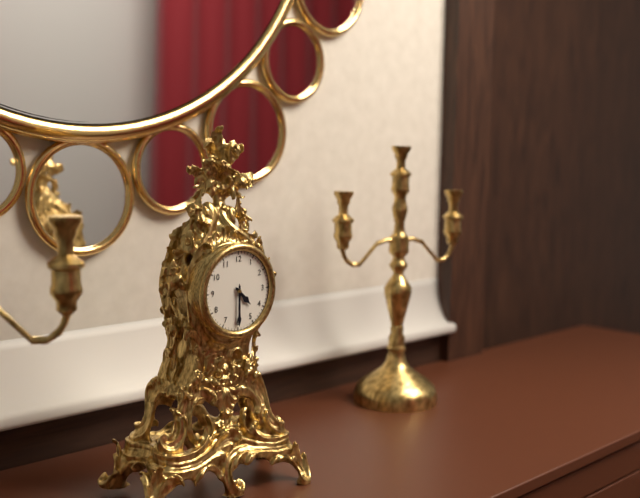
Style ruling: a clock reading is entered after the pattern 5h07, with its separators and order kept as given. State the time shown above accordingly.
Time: 4h30
